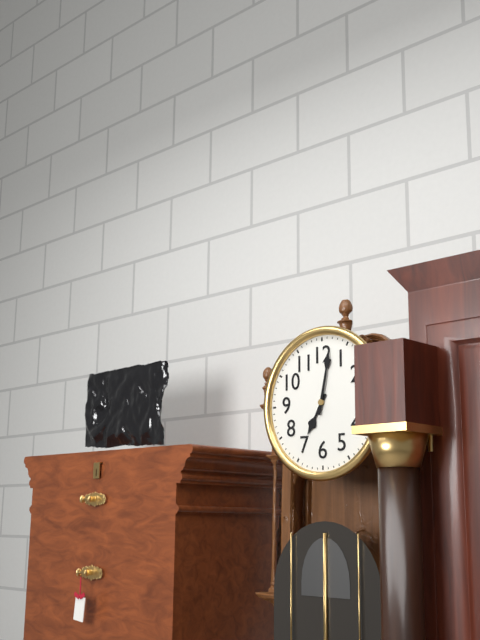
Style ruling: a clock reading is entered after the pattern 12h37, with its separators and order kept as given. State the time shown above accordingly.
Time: 7h02
